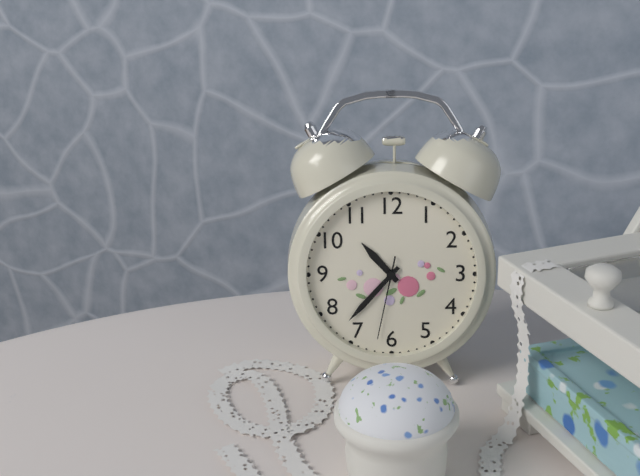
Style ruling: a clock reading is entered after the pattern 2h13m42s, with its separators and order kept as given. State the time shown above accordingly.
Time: 10h37m32s
